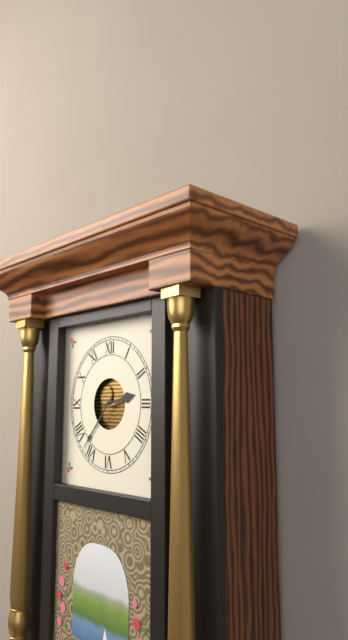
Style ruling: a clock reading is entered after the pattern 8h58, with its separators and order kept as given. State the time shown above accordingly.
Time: 2h37
